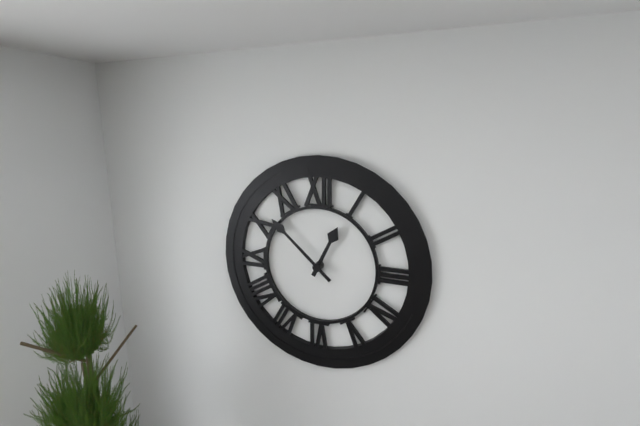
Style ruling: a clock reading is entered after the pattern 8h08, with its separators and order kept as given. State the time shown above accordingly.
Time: 12h52
